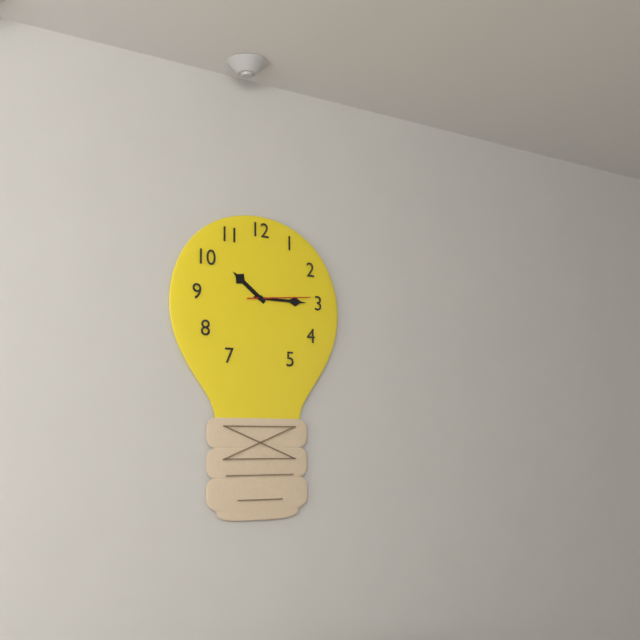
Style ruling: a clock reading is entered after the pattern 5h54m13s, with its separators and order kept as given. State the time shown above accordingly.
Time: 10h15m14s
